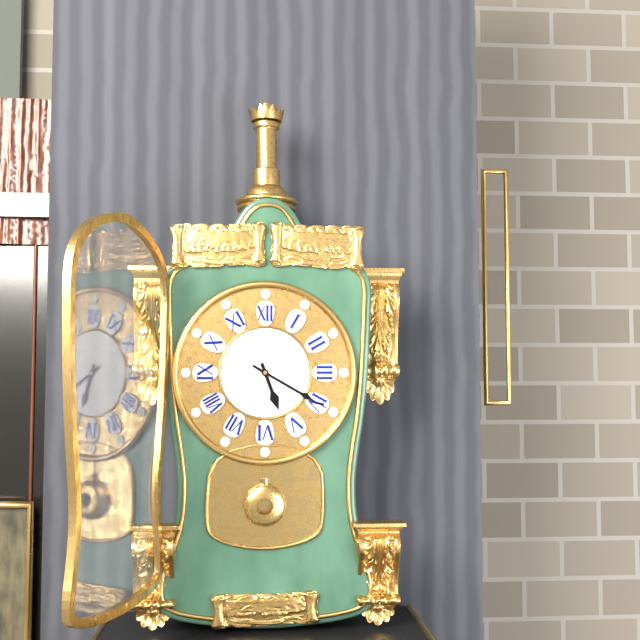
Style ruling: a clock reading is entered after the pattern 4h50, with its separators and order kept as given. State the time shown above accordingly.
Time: 5h20
